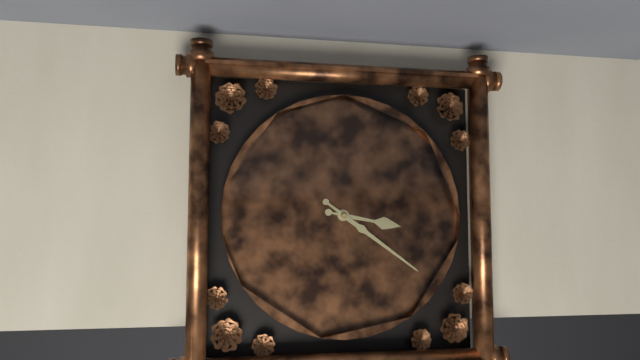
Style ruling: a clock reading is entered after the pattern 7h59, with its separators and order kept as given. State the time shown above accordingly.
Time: 3h21
